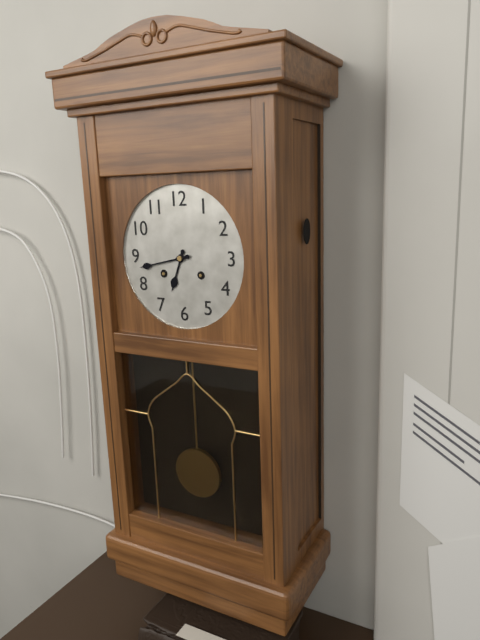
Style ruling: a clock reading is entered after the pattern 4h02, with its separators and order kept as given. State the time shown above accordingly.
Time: 6h43
